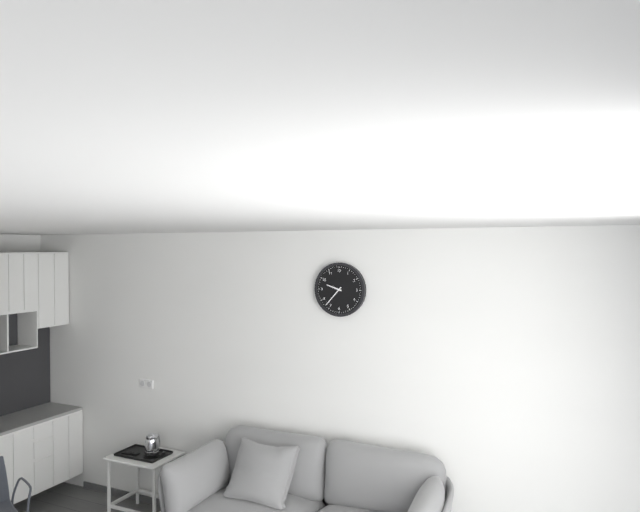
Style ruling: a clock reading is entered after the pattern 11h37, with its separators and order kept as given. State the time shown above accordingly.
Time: 9h37
